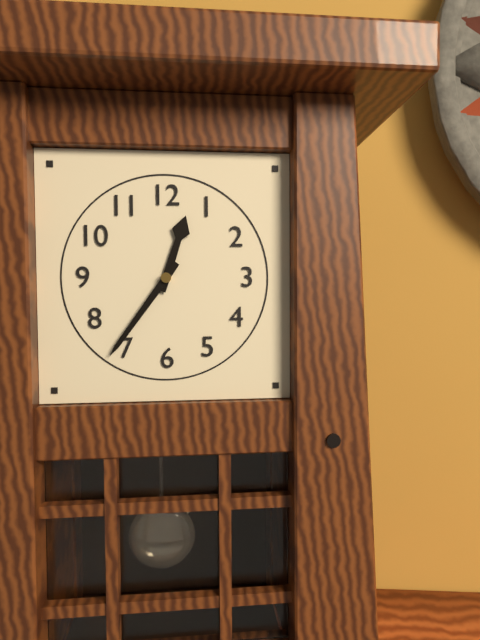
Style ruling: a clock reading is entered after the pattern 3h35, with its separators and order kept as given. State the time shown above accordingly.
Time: 12h36
